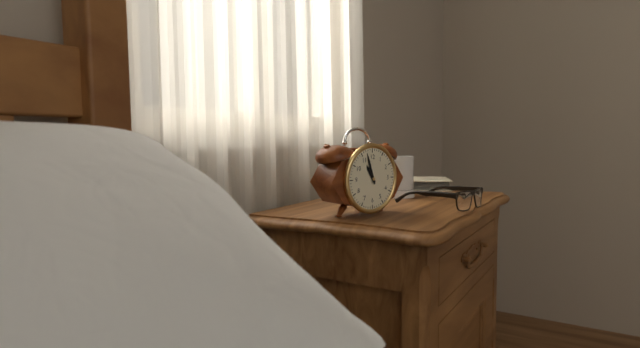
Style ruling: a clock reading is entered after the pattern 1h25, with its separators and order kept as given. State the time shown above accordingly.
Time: 10h57
